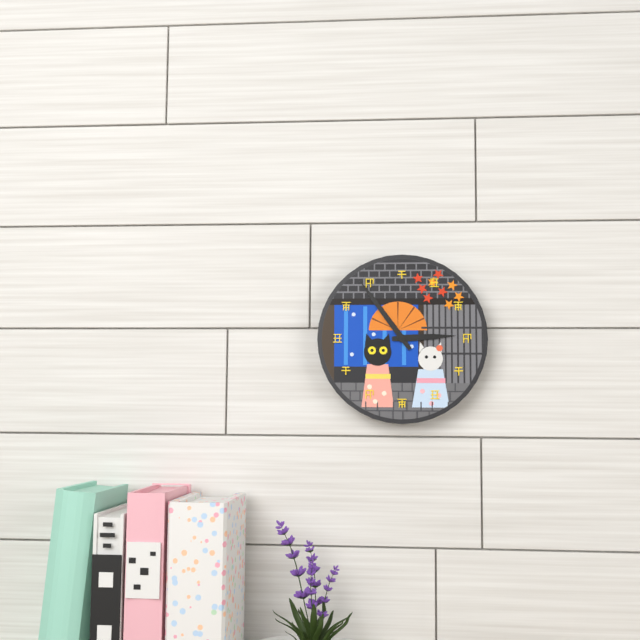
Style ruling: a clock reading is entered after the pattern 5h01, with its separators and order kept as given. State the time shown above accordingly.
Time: 2h54
